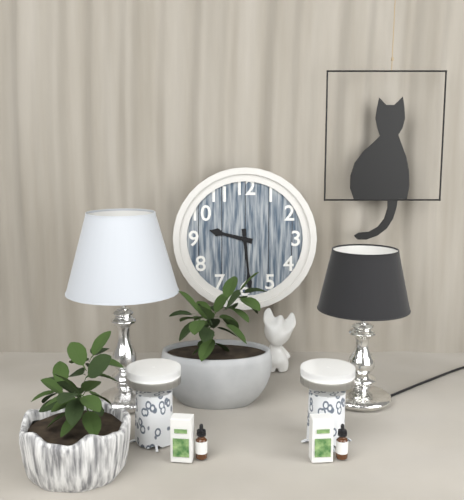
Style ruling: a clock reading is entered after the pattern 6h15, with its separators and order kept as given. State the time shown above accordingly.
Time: 9h29
